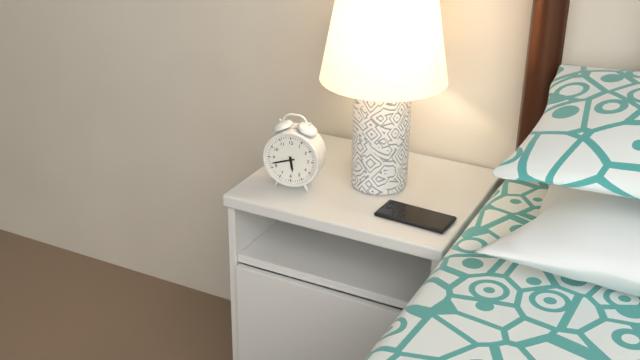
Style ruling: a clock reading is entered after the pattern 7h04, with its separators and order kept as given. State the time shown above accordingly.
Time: 5h42
